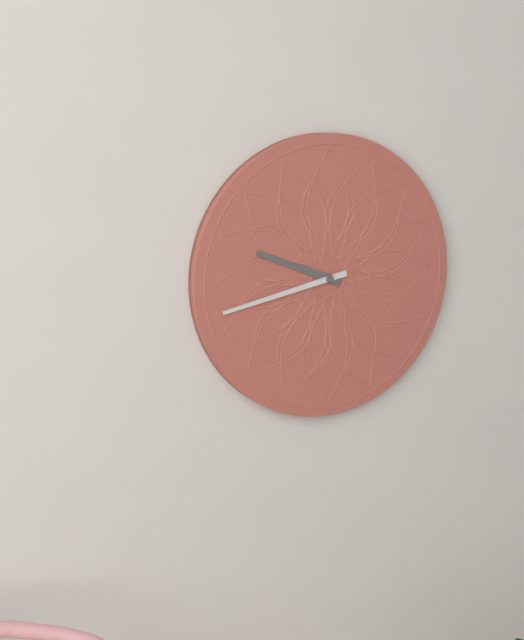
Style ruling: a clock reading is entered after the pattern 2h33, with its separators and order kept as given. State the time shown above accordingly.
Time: 9h43
